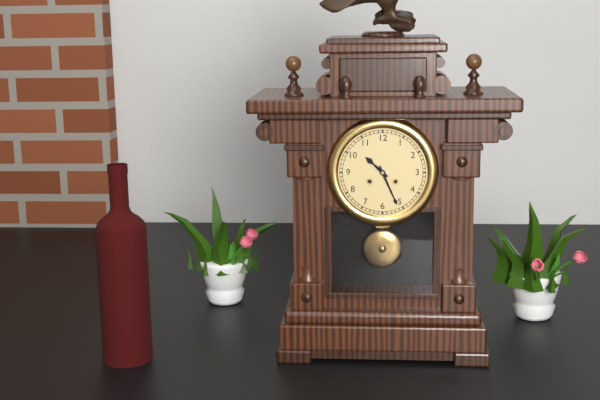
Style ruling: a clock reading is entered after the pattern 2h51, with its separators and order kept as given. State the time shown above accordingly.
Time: 10h26
